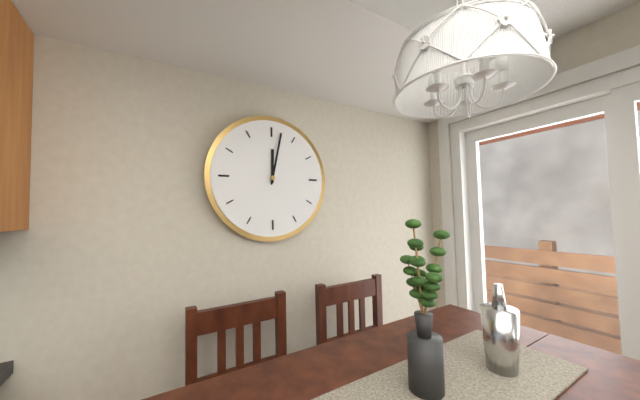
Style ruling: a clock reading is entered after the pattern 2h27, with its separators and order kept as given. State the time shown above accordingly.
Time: 12h02
